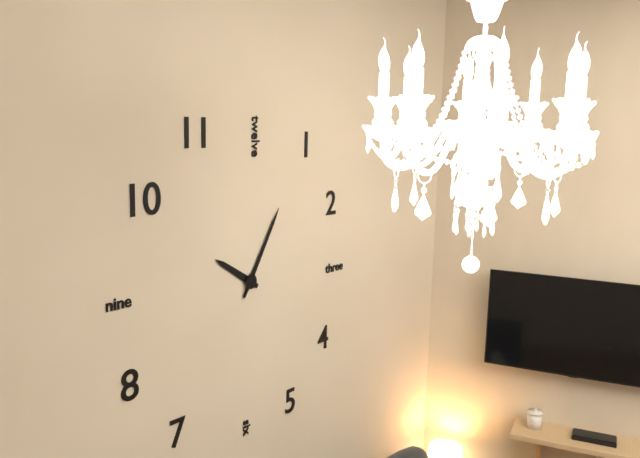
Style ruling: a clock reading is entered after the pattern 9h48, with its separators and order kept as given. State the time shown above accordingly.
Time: 10h05
